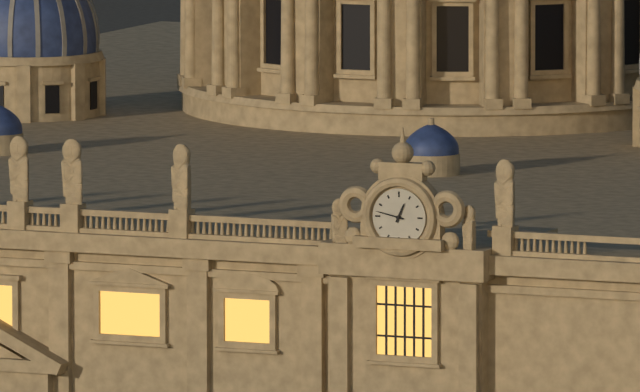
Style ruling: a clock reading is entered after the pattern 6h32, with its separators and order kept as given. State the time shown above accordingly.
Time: 12h47
